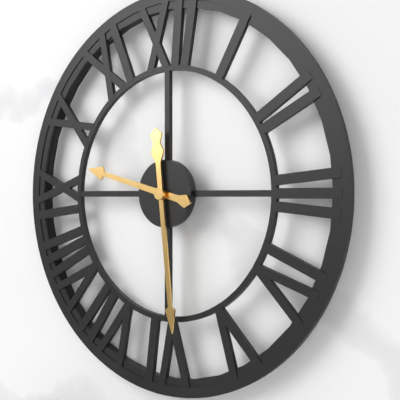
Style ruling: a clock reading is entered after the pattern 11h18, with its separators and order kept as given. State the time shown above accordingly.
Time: 9h29
